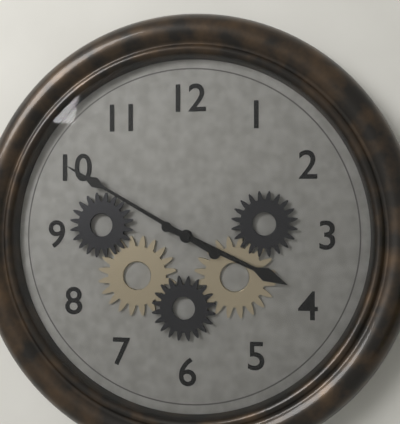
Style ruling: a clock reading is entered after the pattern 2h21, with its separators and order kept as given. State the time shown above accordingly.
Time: 3h50
